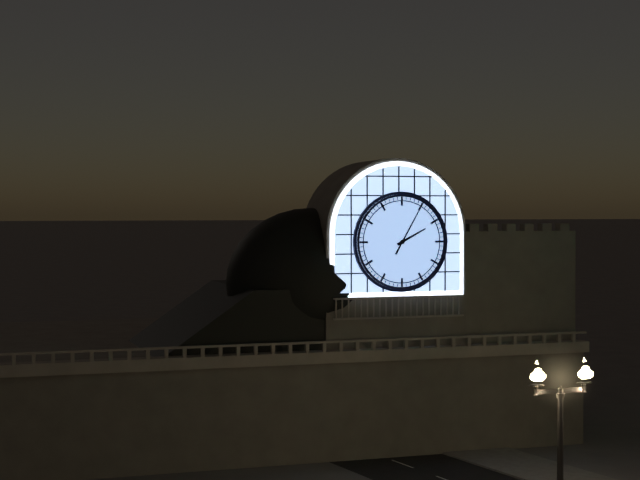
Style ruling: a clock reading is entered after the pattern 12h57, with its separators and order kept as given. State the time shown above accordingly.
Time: 2h05
